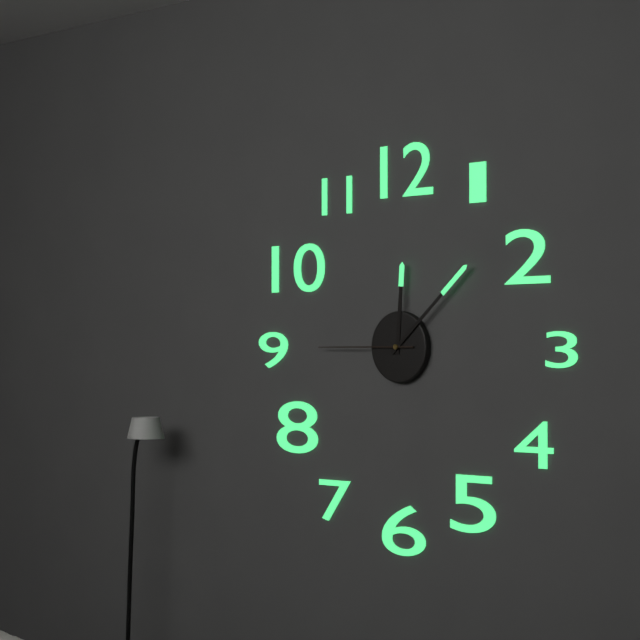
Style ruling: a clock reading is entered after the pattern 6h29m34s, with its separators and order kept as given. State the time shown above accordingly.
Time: 12h08m45s
